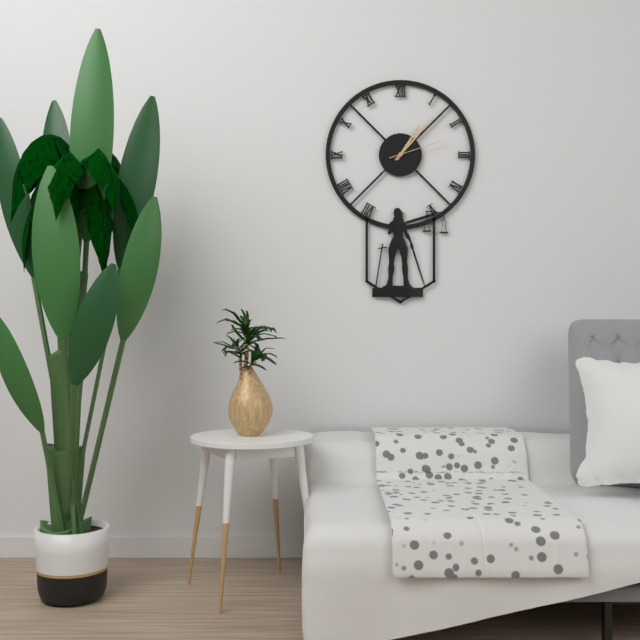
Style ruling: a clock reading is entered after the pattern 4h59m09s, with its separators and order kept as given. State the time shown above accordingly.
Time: 1h07m12s
